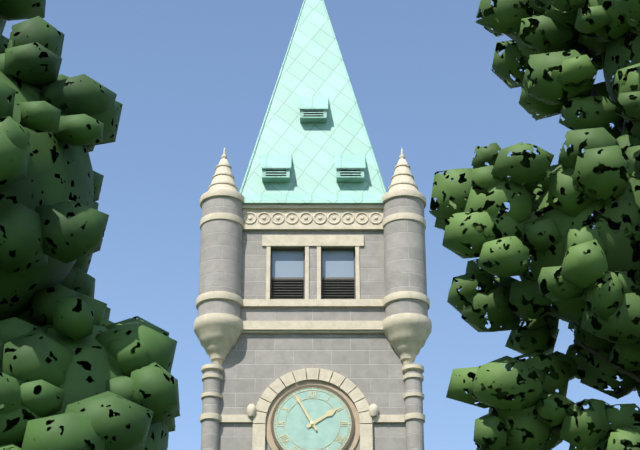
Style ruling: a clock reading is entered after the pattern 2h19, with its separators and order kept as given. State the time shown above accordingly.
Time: 1h55
